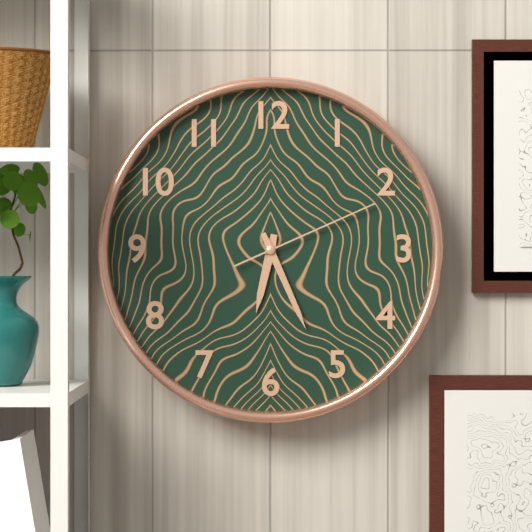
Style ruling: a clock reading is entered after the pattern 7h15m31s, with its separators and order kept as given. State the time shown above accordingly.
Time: 6h26m11s
